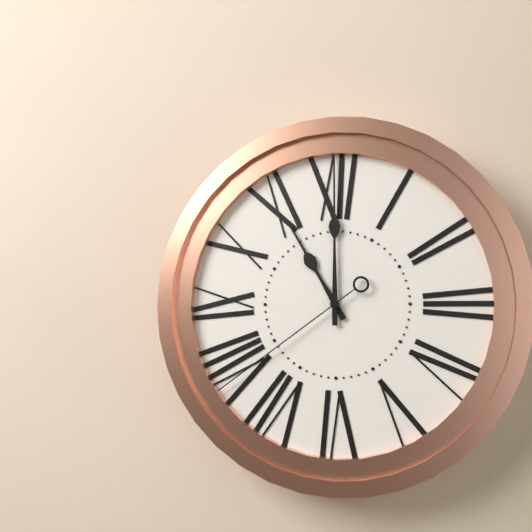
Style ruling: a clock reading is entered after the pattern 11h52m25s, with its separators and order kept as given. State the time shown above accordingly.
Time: 11h00m39s
